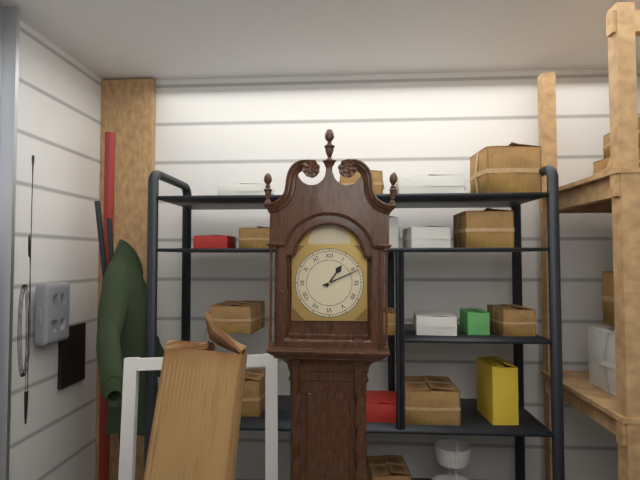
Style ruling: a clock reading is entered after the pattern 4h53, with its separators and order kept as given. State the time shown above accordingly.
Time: 1h11
